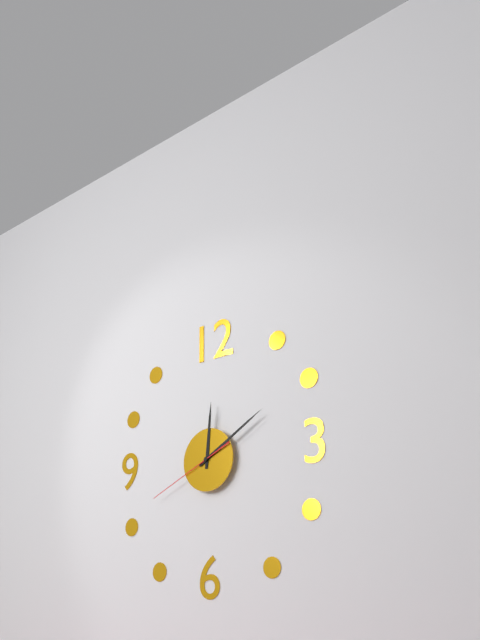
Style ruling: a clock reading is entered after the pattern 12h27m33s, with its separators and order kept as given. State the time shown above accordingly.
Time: 12h10m41s
